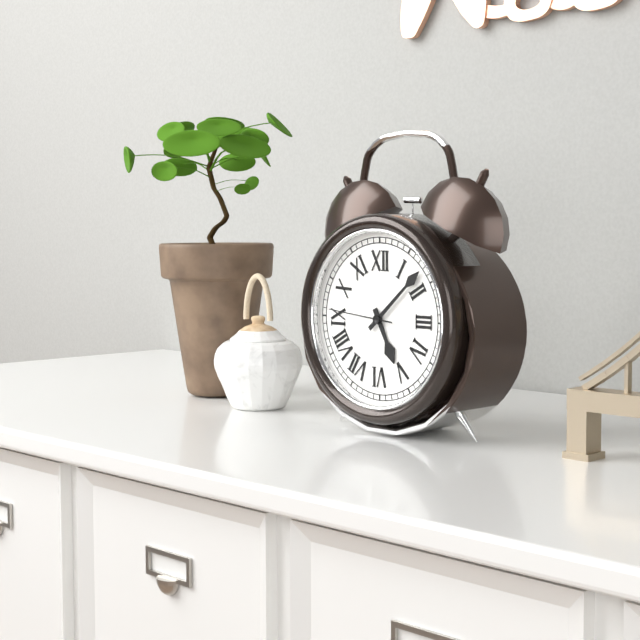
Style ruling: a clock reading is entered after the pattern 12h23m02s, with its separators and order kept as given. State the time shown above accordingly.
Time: 5h08m46s
